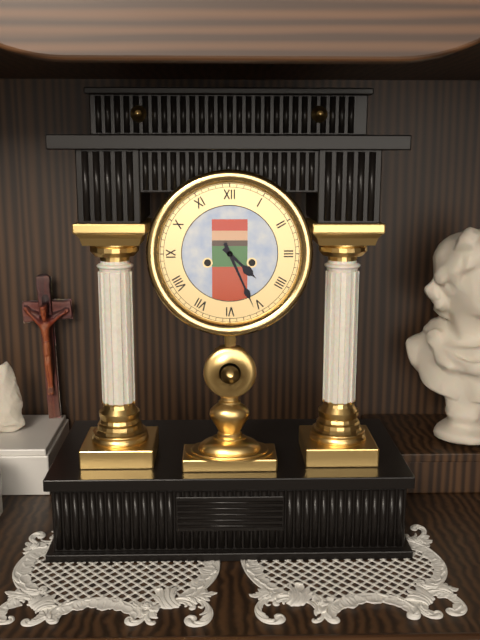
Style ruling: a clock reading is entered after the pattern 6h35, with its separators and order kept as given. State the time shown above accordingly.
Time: 4h26
